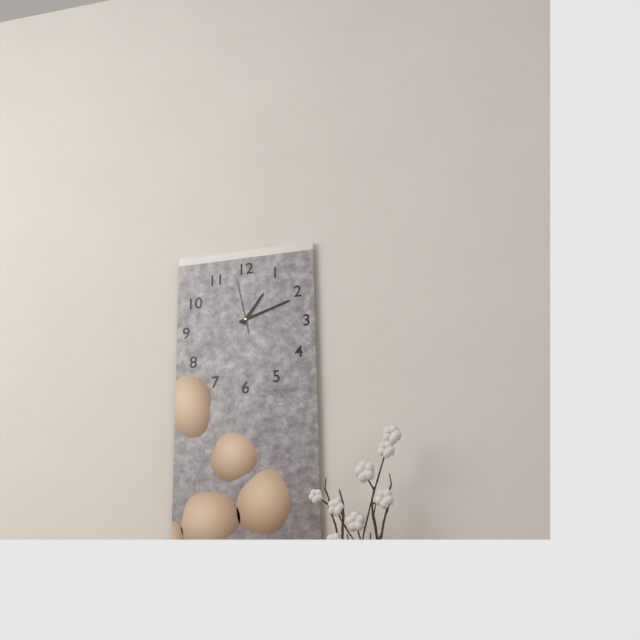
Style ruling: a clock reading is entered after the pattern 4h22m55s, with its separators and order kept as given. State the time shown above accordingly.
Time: 1h12m58s
